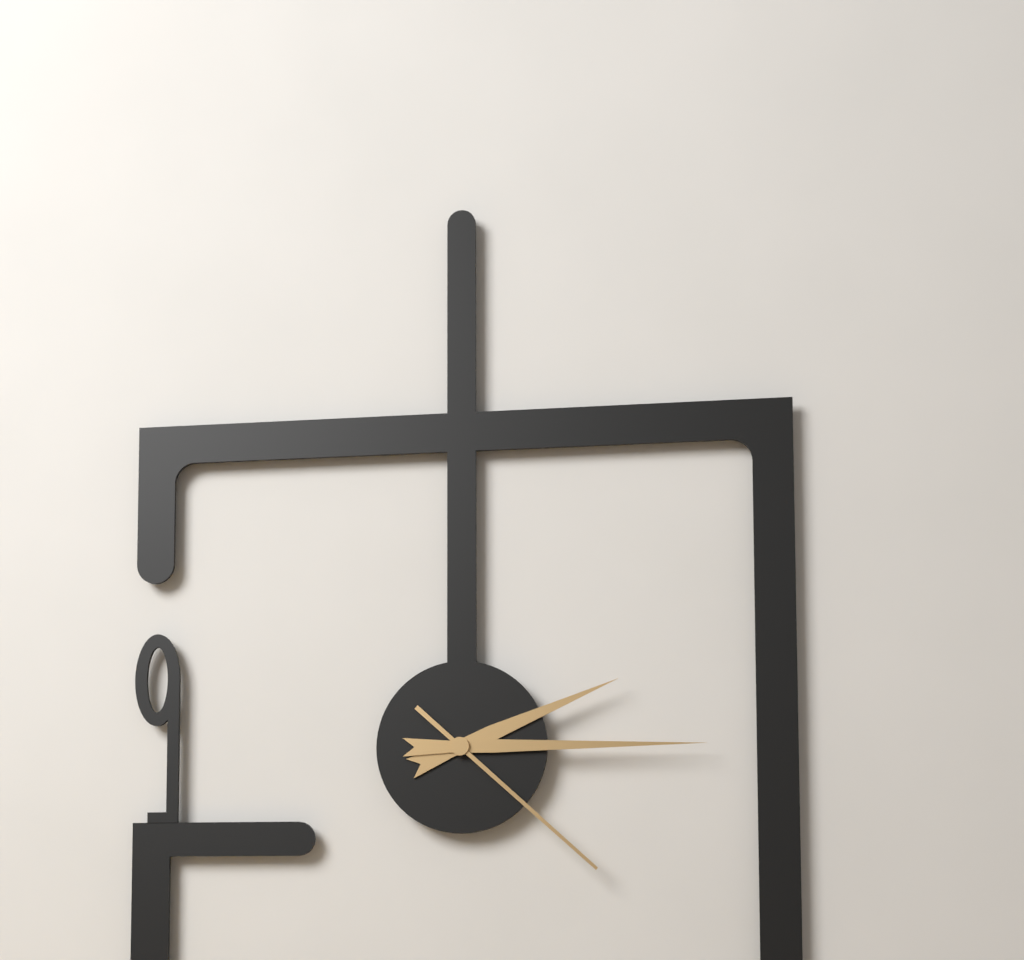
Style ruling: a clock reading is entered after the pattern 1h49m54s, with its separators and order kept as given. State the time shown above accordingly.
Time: 2h15m22s
